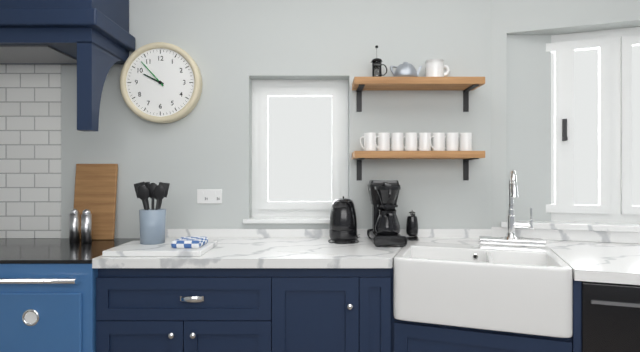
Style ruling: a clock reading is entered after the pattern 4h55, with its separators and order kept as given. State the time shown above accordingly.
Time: 9h53
